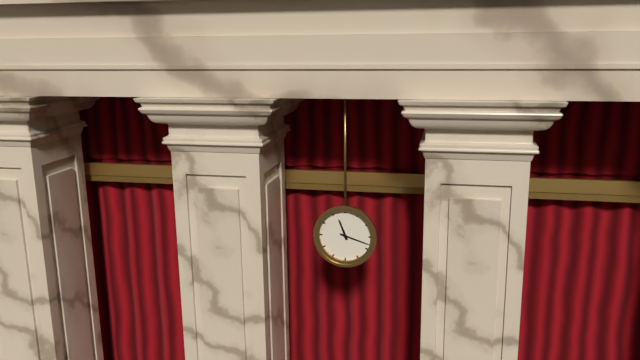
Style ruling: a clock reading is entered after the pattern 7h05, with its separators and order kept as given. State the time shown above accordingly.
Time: 11h18
